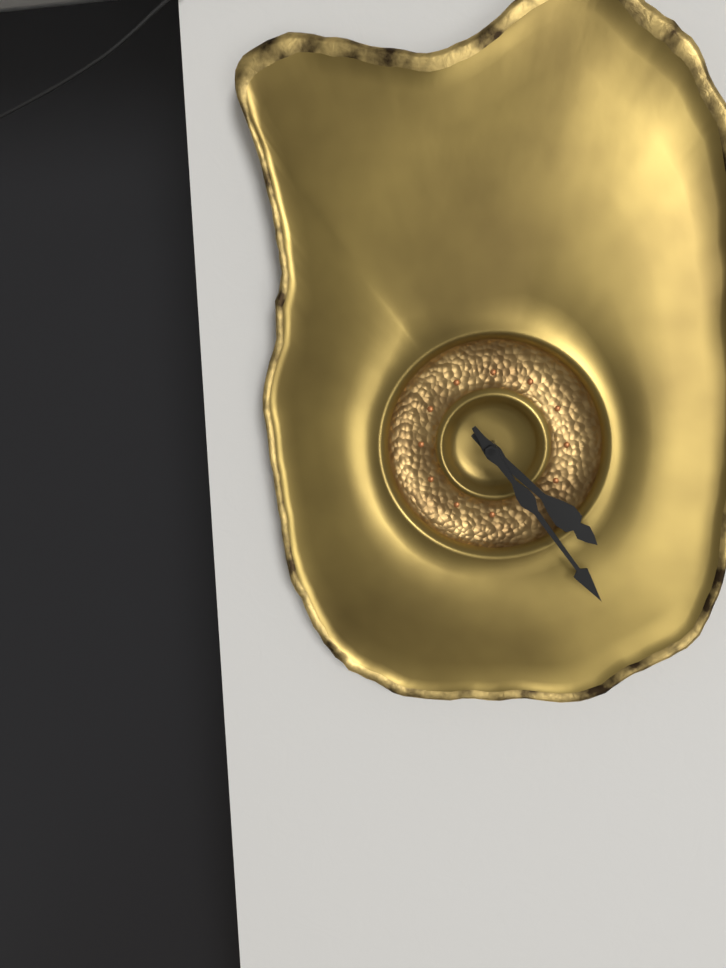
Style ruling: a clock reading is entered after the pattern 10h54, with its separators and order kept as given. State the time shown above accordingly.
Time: 4h24
